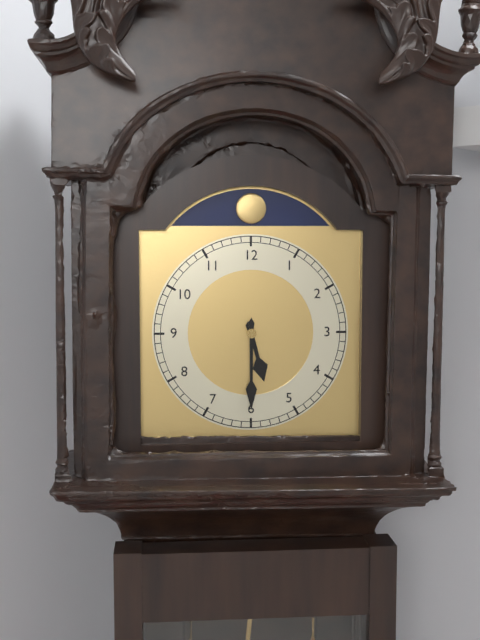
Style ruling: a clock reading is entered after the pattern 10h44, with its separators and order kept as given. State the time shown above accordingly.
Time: 5h30
